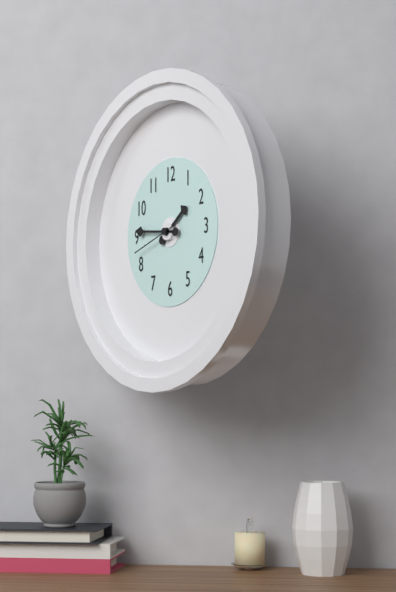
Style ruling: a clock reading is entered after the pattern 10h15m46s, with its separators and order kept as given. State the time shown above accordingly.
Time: 1h46m42s
